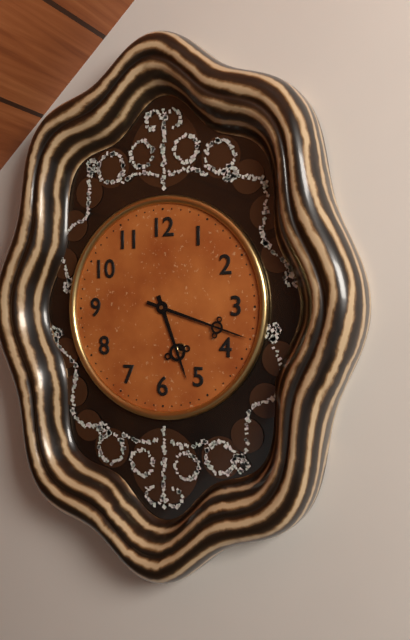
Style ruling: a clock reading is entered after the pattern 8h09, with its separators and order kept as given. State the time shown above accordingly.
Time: 5h18
